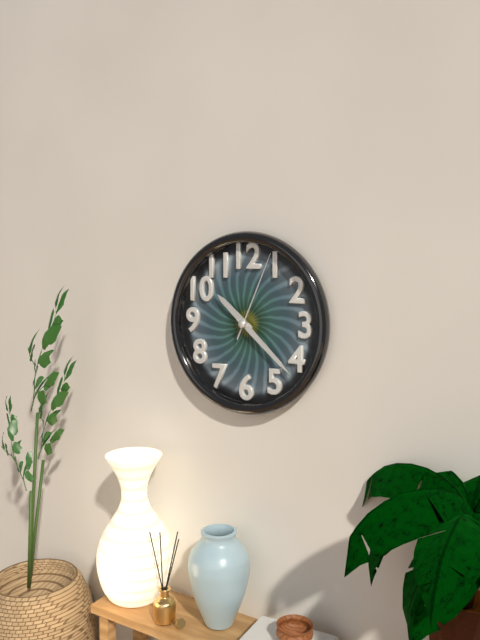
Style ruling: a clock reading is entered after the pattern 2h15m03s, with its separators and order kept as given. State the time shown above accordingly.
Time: 10h22m04s
